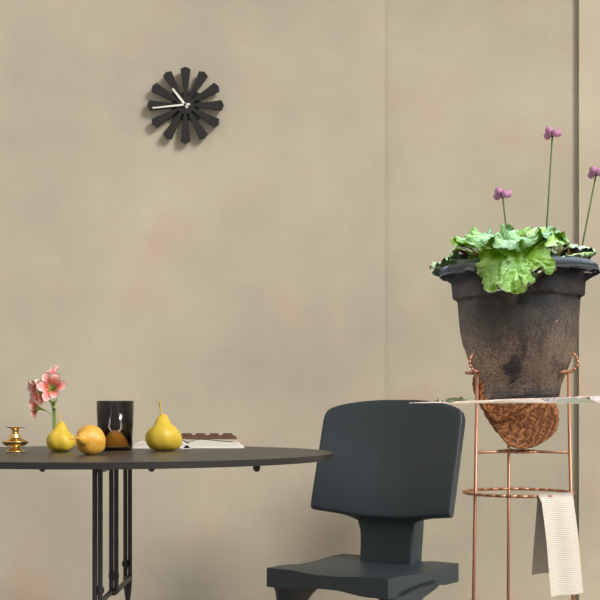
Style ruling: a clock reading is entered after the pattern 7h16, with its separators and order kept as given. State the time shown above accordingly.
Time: 10h44
